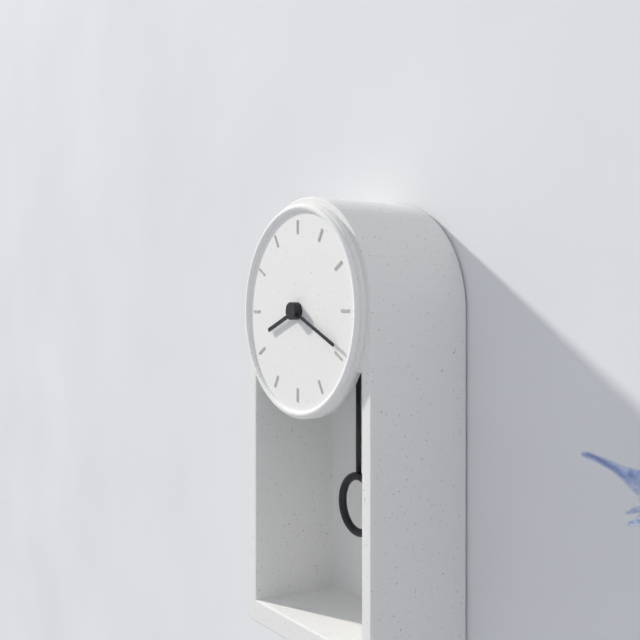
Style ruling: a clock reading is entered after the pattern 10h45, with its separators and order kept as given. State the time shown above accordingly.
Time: 8h19
